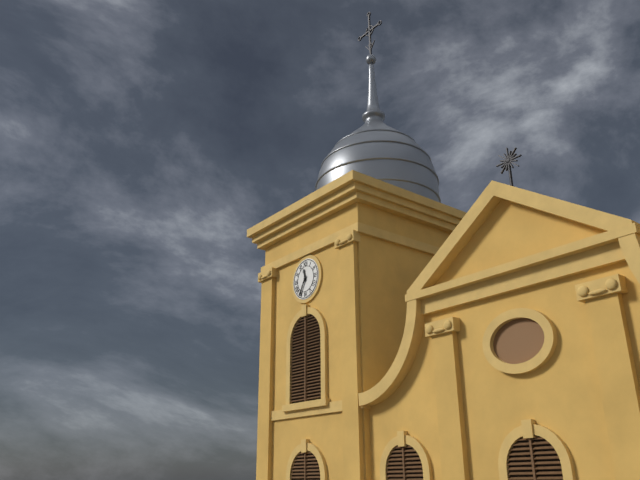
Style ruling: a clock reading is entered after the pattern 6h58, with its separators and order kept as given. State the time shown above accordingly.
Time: 11h35
